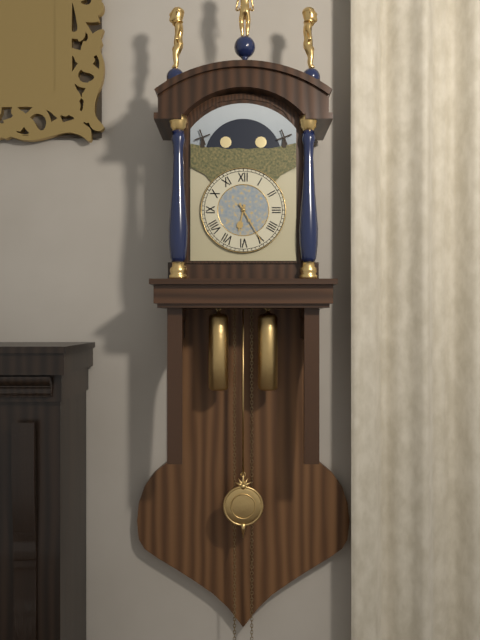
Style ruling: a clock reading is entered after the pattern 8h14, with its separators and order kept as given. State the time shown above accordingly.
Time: 6h25
